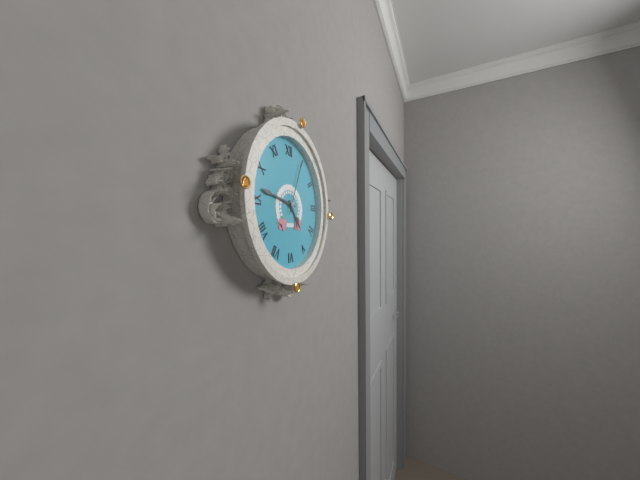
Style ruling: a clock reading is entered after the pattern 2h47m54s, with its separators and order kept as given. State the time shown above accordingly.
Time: 4h47m04s
